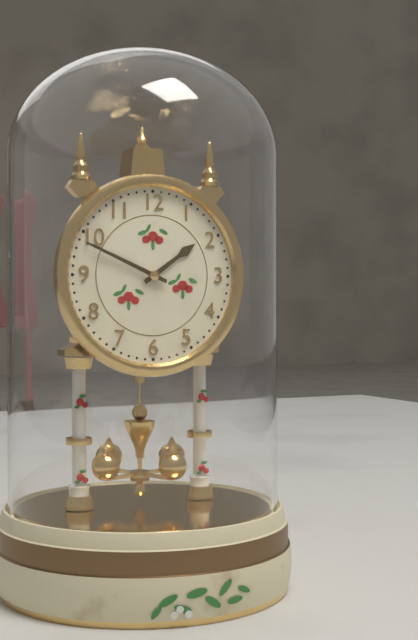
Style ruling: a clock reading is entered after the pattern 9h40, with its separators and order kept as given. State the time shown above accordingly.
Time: 1h49
